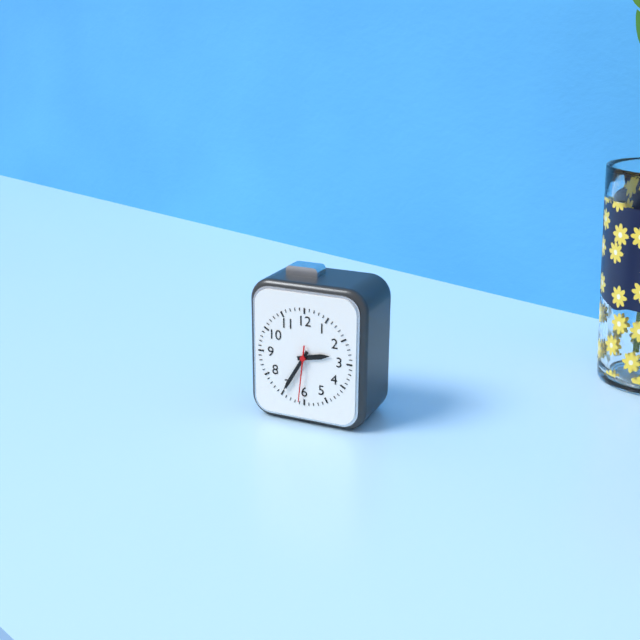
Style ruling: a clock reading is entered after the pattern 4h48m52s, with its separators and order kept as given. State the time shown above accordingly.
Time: 2h35m31s
